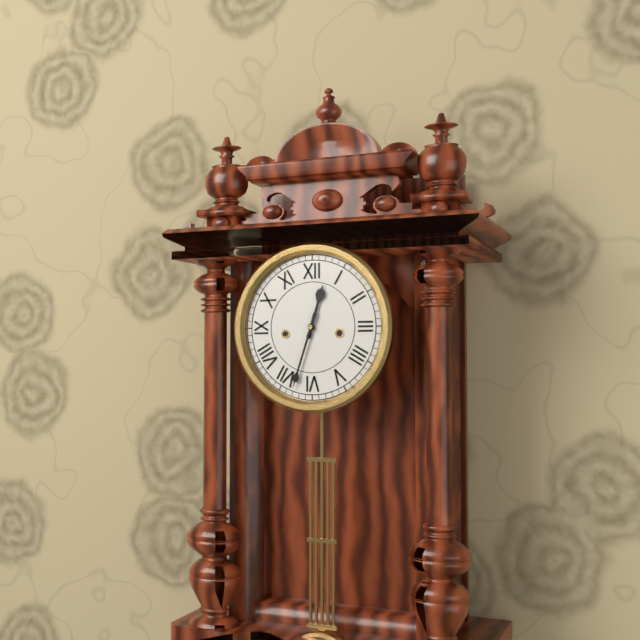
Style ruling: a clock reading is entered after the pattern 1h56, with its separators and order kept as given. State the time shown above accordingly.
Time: 12h33
